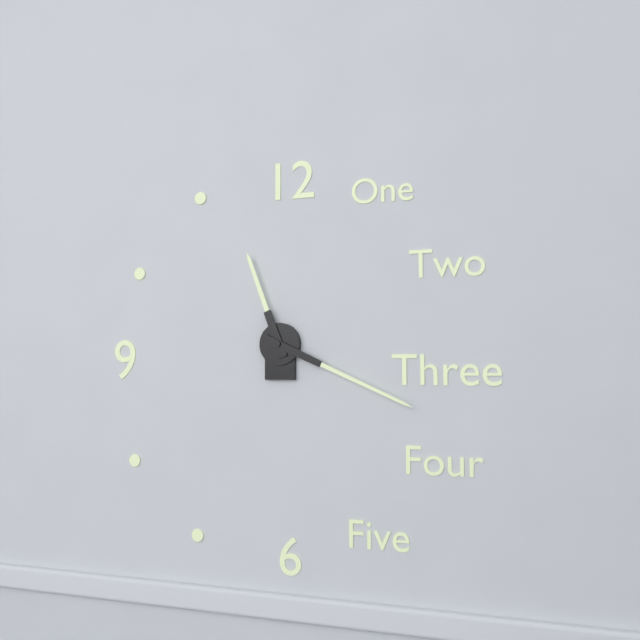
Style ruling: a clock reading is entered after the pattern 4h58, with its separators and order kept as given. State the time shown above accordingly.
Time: 11h19
